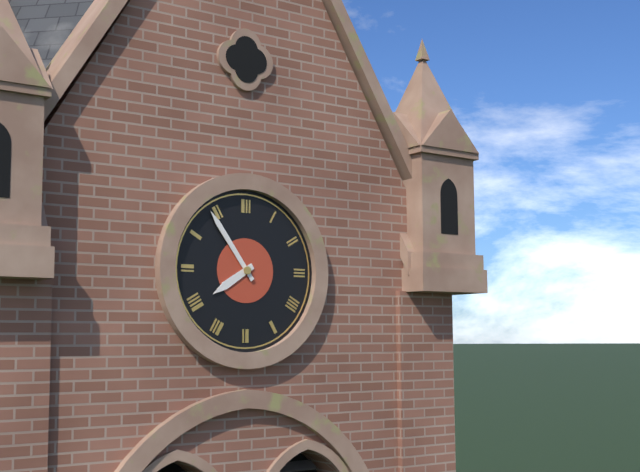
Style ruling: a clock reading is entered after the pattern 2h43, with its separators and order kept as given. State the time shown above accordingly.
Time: 7h54
